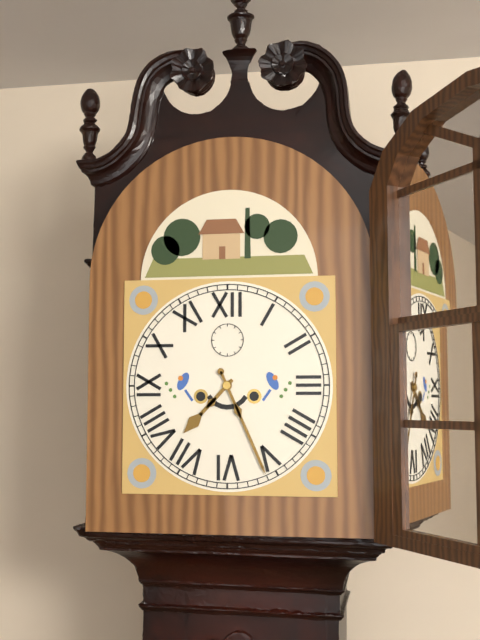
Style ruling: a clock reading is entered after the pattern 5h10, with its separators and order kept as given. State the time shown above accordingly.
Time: 7h26
